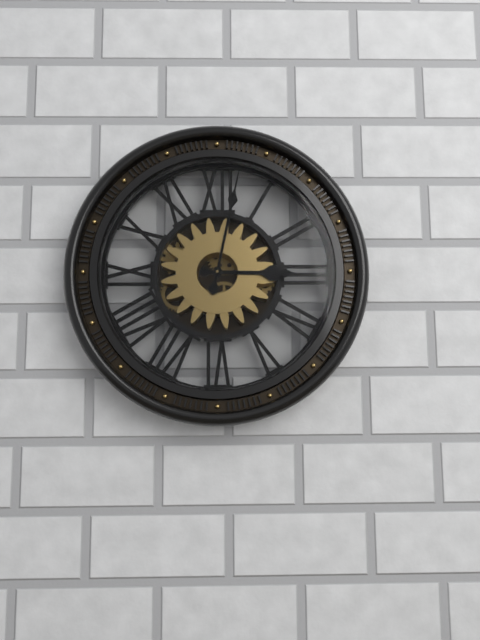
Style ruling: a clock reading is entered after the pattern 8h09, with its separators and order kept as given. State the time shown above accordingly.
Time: 3h02
